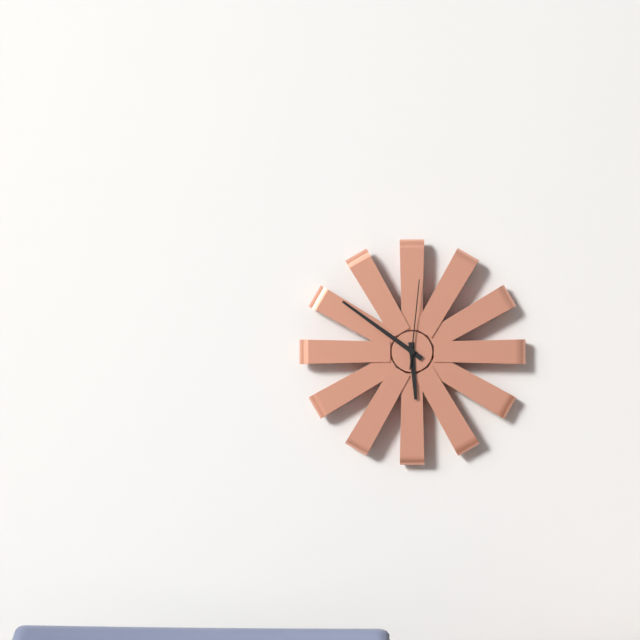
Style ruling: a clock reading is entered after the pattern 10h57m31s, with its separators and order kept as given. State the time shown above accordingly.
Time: 5h51m01s
